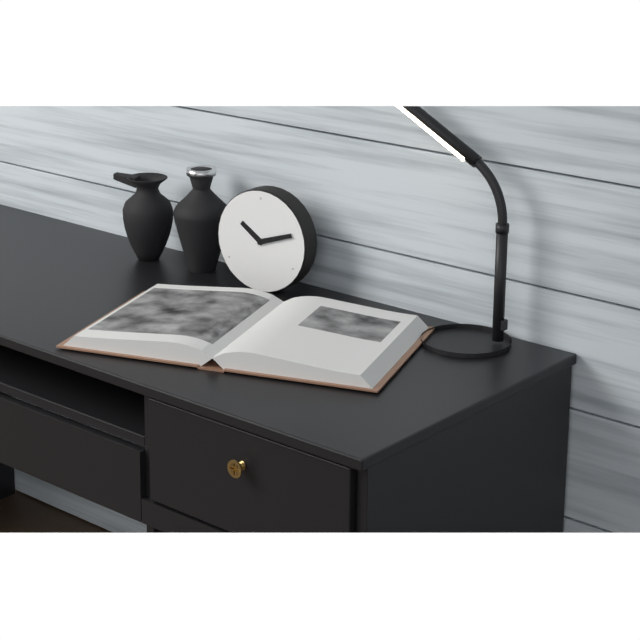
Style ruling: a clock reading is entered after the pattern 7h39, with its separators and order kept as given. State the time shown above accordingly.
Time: 10h12
